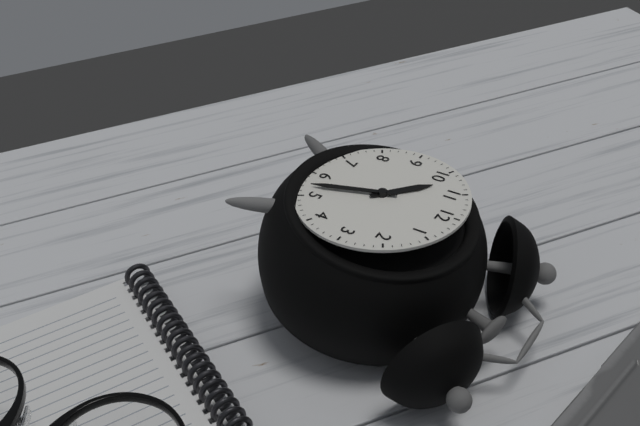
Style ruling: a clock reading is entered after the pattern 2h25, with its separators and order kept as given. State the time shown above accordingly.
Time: 10h27
